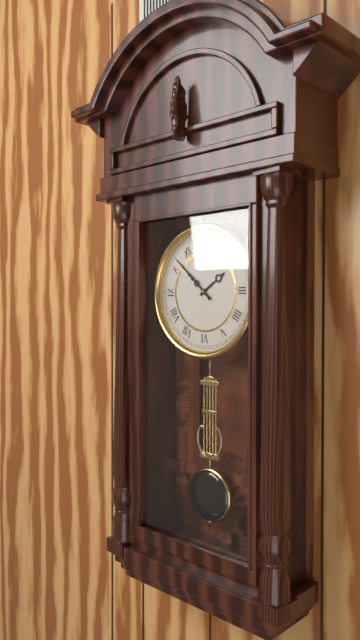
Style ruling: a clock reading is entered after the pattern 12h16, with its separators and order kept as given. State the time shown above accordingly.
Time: 1h52
